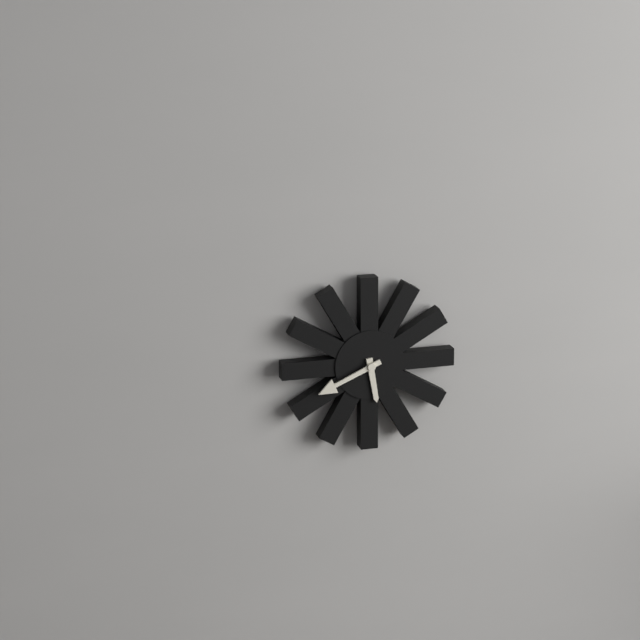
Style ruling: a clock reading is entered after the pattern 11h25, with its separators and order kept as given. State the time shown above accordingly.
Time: 5h41
